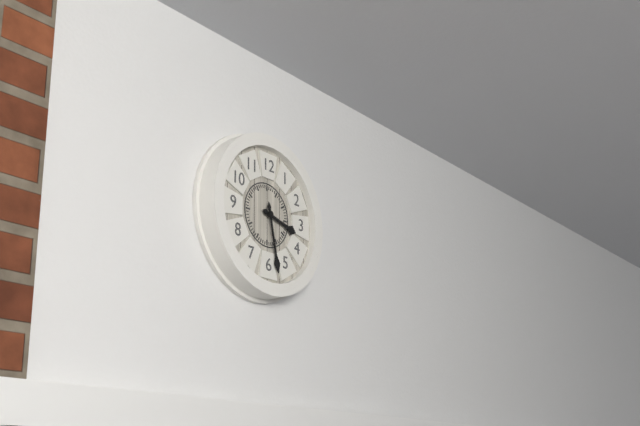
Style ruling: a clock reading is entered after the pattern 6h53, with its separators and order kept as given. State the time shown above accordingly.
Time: 3h28
